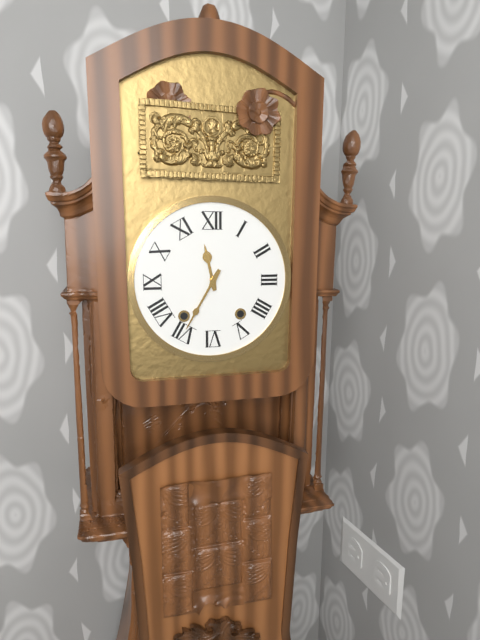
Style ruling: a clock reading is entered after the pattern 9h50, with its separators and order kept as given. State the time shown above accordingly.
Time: 11h35
